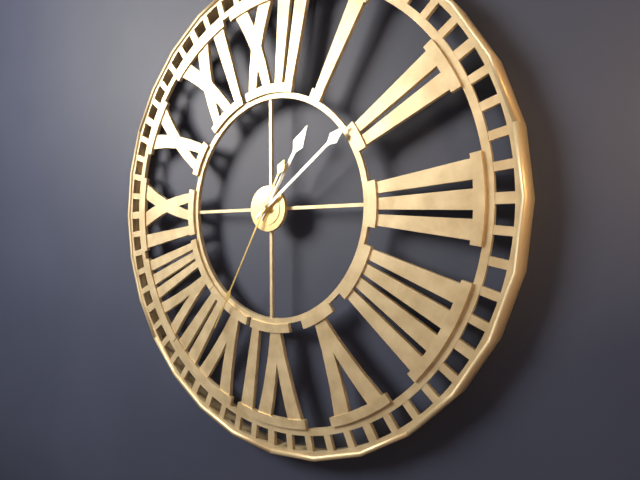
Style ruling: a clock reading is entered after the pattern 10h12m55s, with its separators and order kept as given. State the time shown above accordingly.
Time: 1h09m35s
